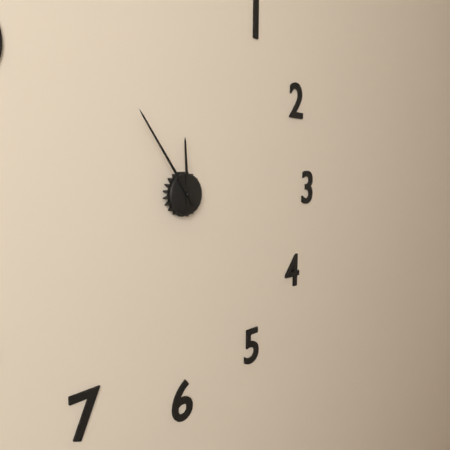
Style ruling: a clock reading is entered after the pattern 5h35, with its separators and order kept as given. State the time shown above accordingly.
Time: 11h54
